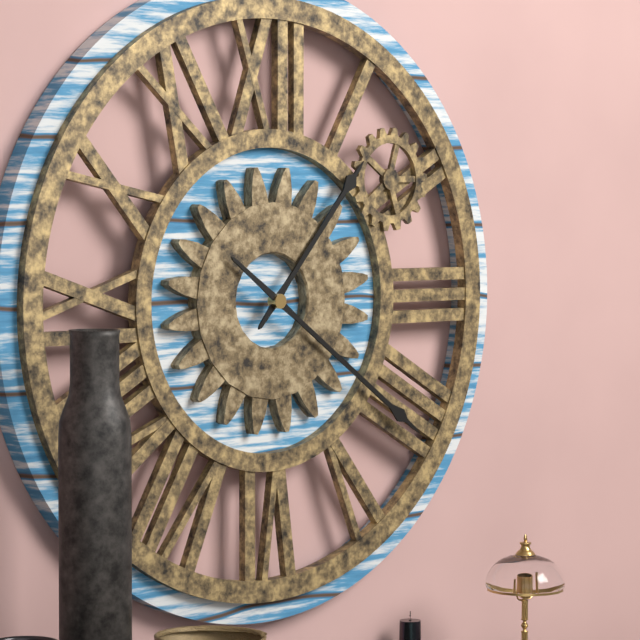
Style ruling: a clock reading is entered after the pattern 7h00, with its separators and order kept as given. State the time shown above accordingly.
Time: 1h21
